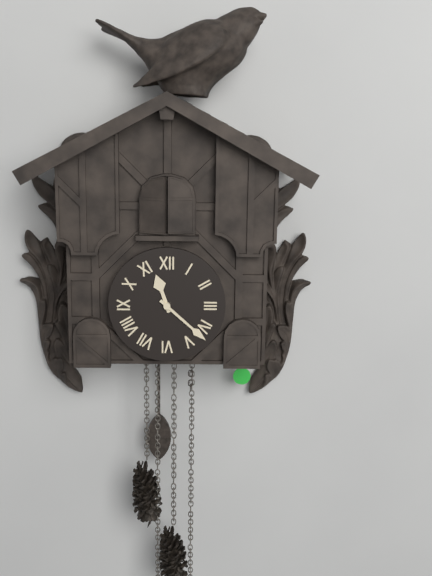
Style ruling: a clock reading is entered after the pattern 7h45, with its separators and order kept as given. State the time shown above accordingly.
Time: 11h22
